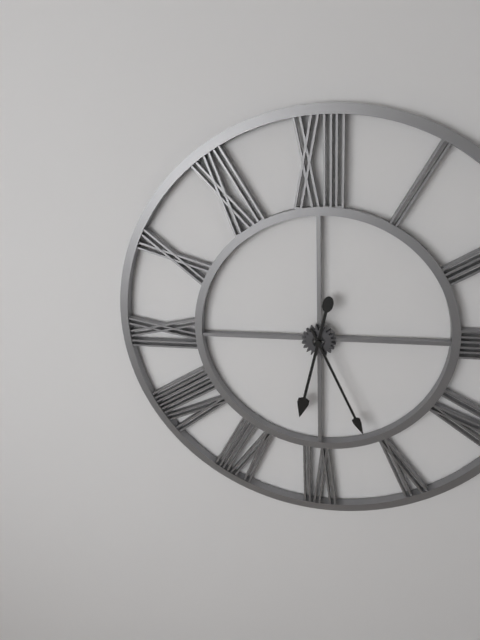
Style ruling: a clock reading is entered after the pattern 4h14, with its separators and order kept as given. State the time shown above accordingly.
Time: 6h26
